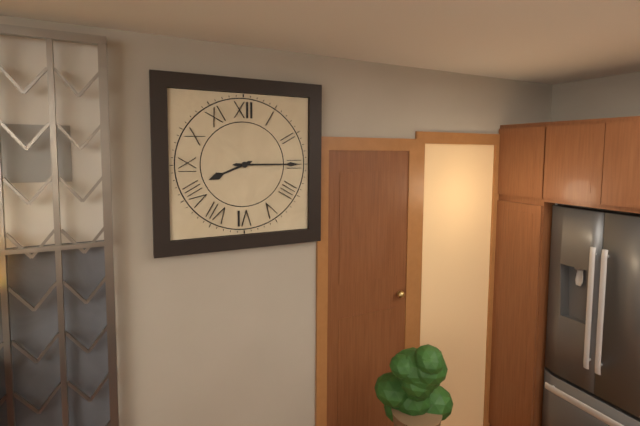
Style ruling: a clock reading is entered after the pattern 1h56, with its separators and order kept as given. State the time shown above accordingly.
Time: 8h15
